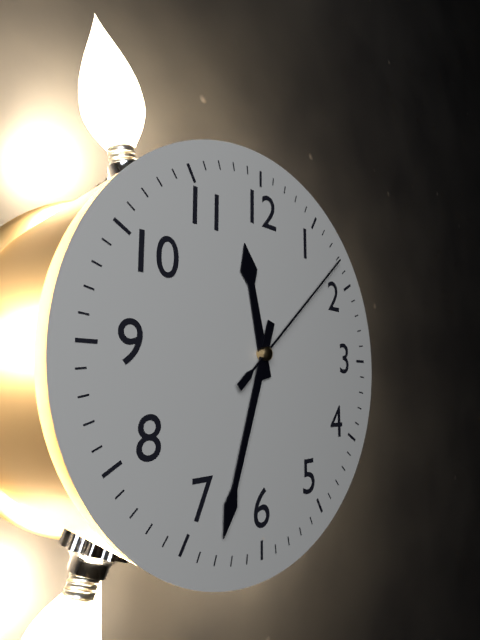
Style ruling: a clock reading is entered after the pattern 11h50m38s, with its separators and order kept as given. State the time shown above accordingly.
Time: 11h33m08s
